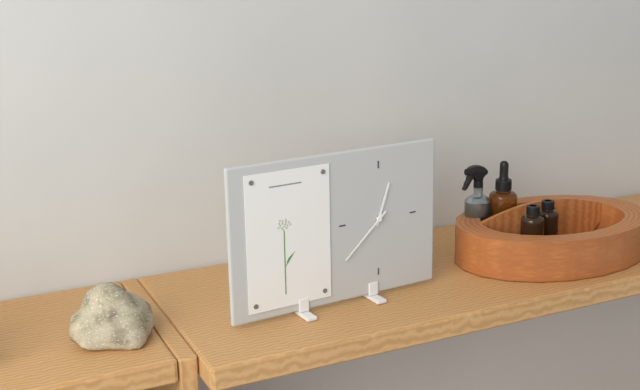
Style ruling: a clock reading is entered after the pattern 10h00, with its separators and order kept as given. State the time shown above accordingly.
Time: 12h38
